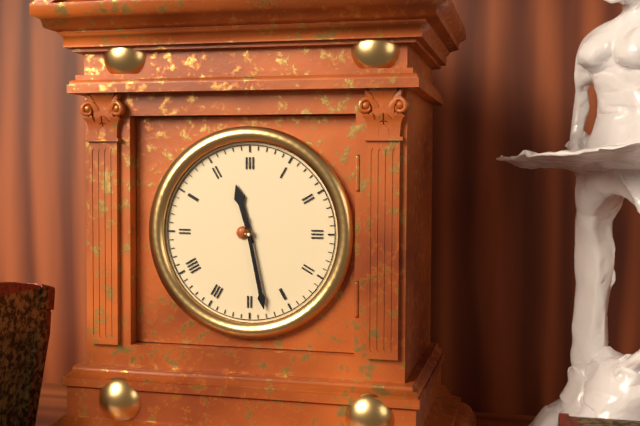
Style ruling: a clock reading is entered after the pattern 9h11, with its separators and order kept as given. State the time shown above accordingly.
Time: 11h28
